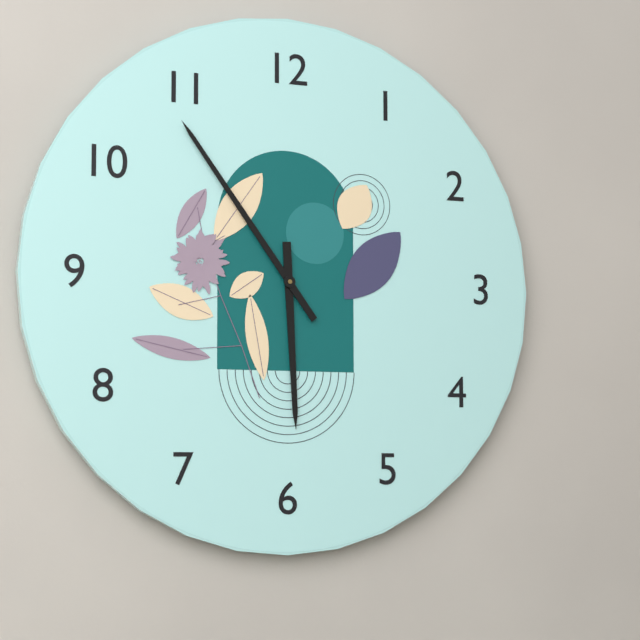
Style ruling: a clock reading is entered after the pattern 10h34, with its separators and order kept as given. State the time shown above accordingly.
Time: 5h54
